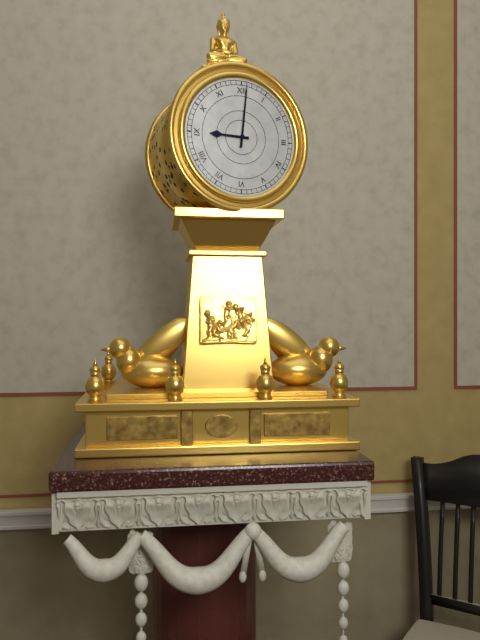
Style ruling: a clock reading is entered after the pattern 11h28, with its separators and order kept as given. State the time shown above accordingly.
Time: 9h01
